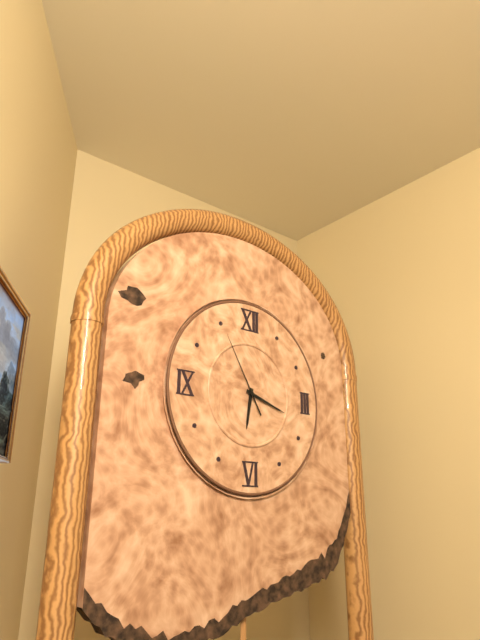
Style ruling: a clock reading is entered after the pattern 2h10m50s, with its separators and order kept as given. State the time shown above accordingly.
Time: 6h18m55s
